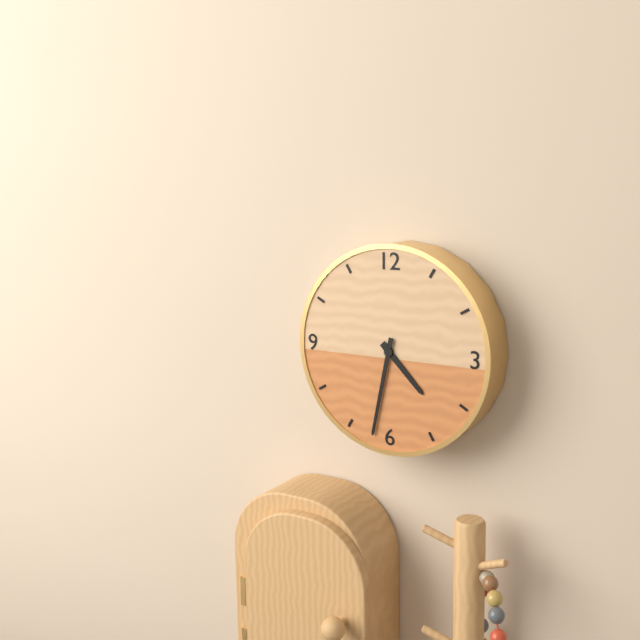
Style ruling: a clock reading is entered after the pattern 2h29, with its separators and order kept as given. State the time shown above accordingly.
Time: 4h32
